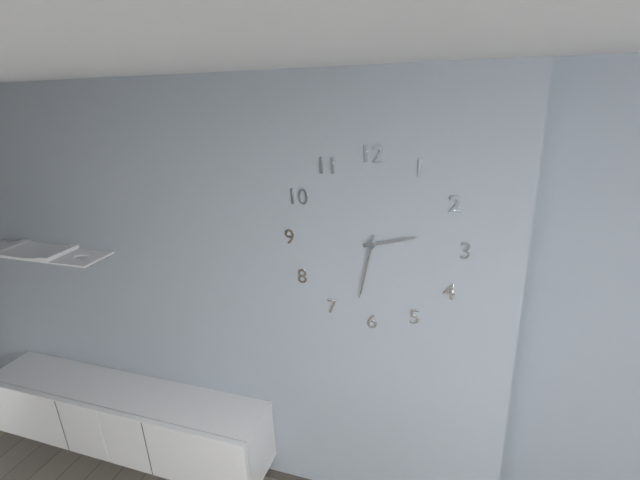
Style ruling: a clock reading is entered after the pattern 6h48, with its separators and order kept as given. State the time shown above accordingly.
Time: 2h32
